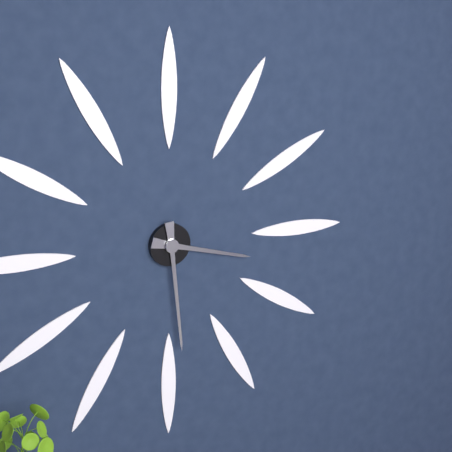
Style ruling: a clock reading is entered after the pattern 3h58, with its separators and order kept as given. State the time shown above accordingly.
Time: 3h29
